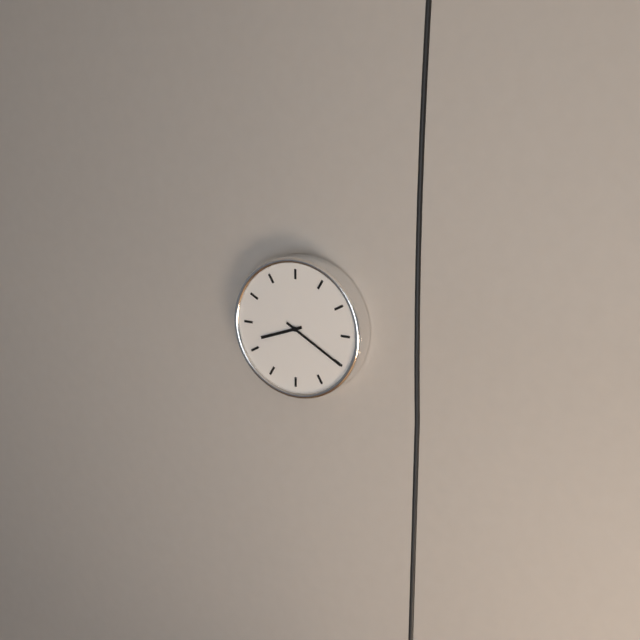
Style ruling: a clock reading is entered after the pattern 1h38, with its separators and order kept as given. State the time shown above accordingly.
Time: 8h20
